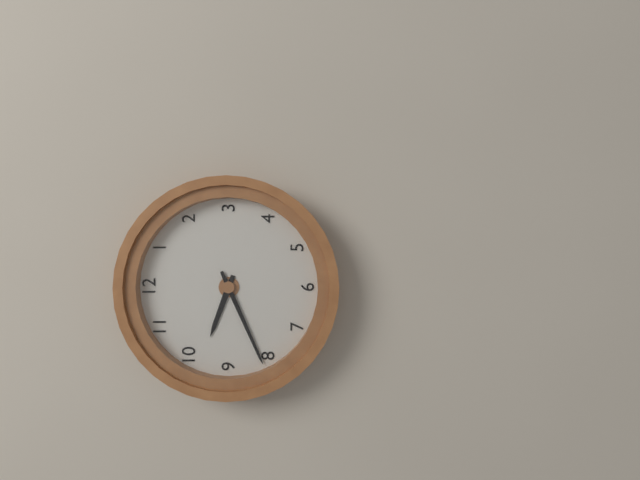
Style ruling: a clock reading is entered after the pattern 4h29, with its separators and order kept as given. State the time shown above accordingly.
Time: 9h41
